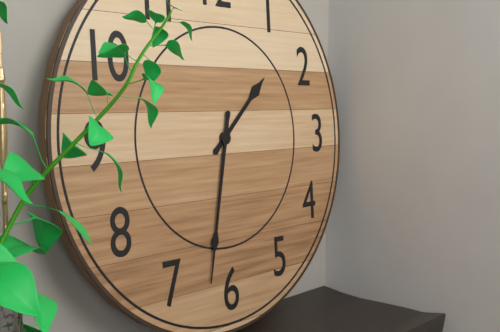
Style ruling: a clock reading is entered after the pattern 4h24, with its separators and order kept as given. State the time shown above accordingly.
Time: 1h32
